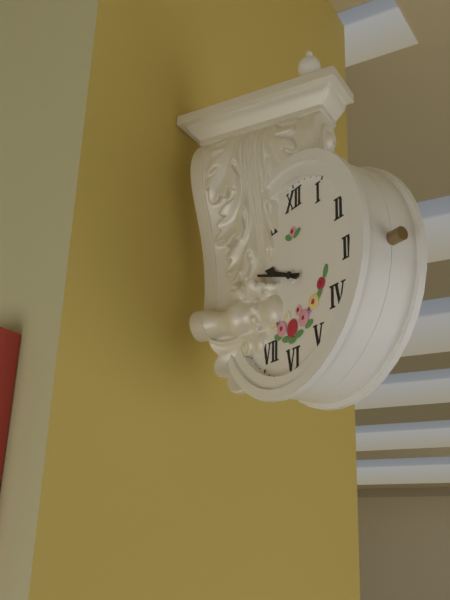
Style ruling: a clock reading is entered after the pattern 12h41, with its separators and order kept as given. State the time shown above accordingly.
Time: 9h48
